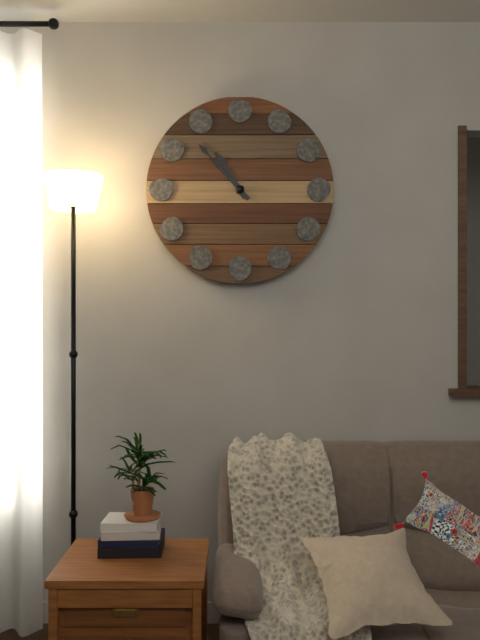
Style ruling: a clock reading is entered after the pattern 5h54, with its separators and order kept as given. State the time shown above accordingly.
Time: 10h53
